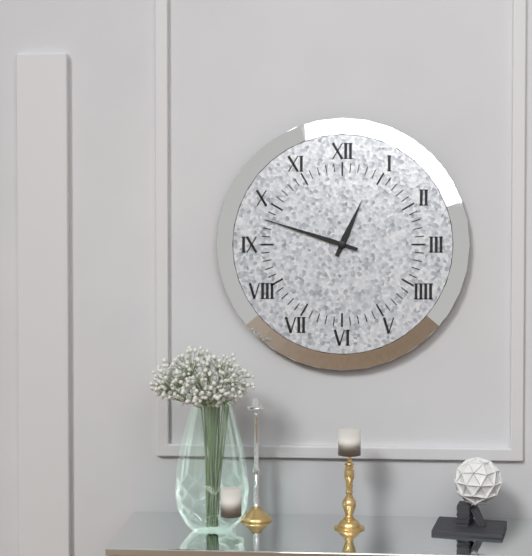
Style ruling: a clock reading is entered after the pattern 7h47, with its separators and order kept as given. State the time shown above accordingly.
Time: 12h48
